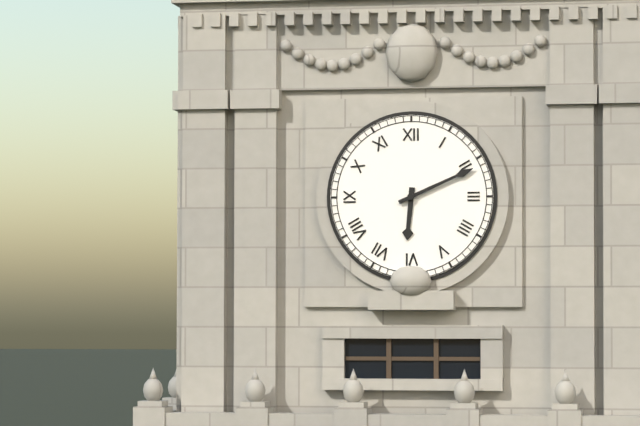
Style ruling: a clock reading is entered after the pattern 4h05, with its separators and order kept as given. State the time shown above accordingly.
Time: 6h11
